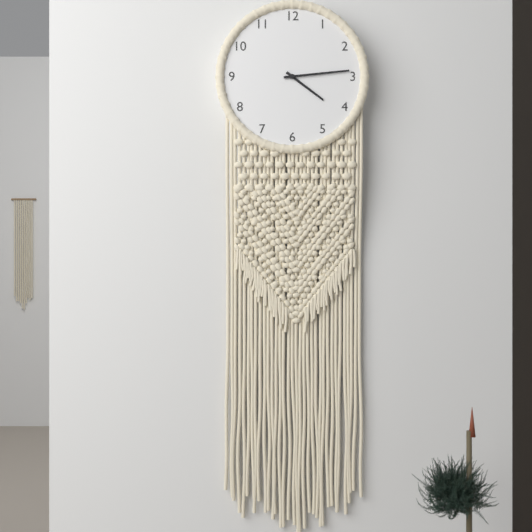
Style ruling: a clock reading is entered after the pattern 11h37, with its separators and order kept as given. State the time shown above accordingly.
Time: 4h14
